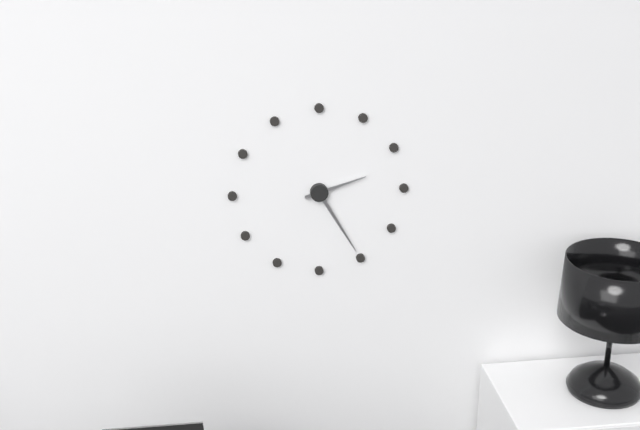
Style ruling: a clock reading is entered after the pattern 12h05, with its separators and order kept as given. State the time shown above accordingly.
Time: 2h25
